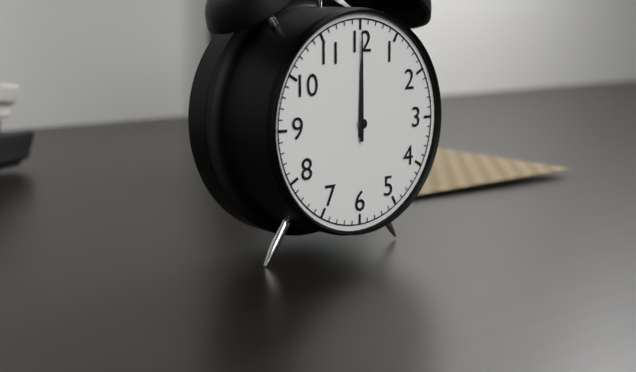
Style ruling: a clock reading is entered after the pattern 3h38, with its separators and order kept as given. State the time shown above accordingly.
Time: 12h00
